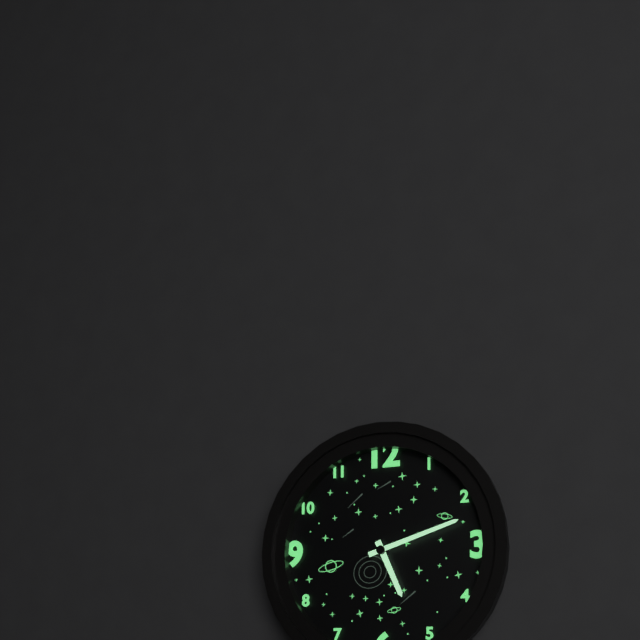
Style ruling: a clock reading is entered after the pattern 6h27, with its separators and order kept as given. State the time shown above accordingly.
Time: 5h12
